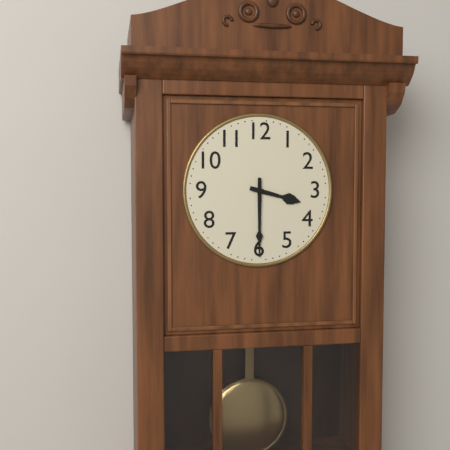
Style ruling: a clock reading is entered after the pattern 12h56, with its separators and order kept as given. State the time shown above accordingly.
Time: 3h30
